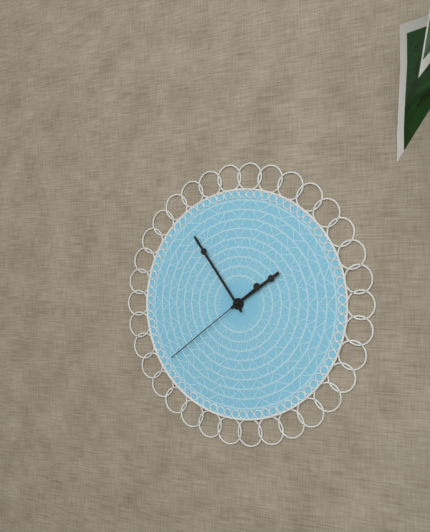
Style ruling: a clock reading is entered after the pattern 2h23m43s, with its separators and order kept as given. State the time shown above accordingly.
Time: 1h54m39s
